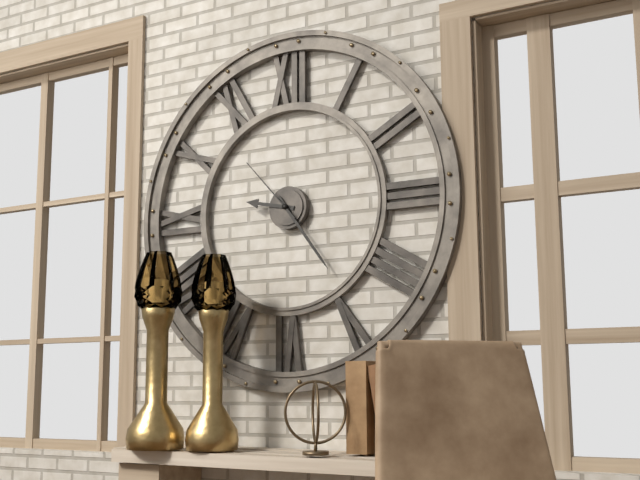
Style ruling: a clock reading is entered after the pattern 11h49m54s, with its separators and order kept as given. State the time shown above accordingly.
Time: 9h24m53s
